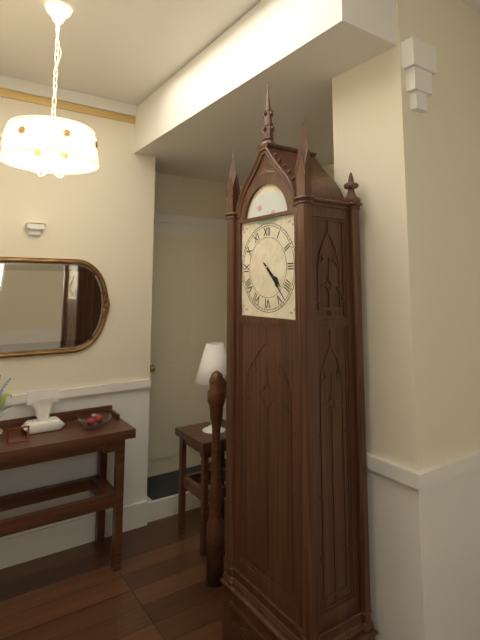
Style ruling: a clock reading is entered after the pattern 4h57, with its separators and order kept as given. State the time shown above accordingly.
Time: 4h23
